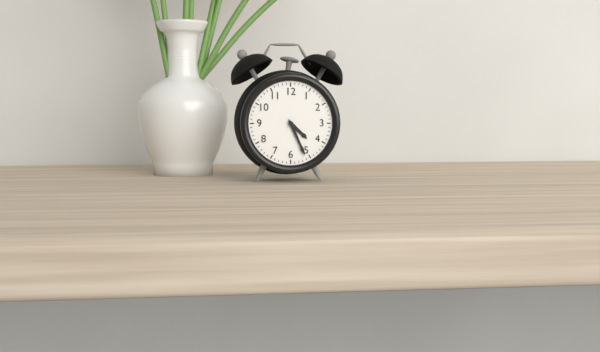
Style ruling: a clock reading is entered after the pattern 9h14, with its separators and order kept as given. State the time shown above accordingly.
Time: 4h26
